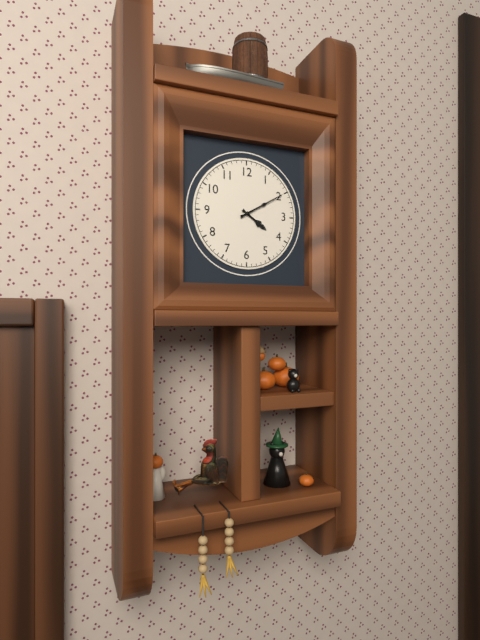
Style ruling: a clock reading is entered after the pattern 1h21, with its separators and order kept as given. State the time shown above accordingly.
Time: 4h10
